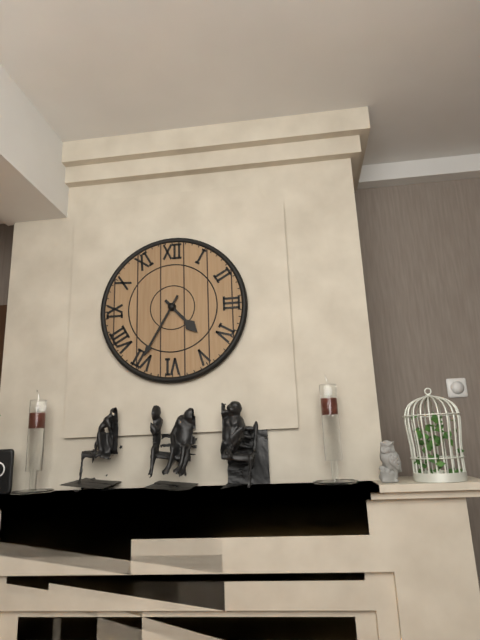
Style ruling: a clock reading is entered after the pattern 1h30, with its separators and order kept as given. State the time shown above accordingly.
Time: 4h35
